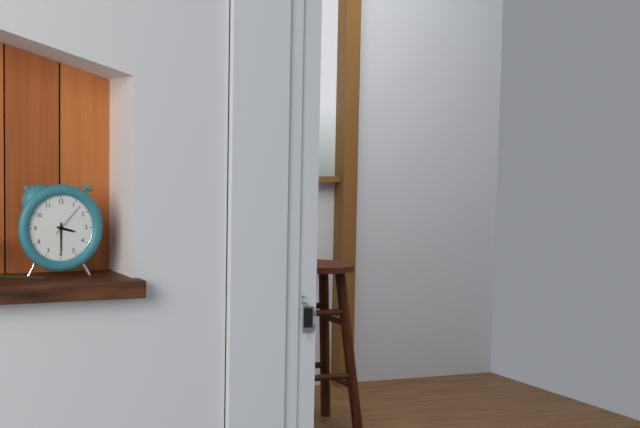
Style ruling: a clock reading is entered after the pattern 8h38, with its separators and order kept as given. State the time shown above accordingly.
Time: 3h30
